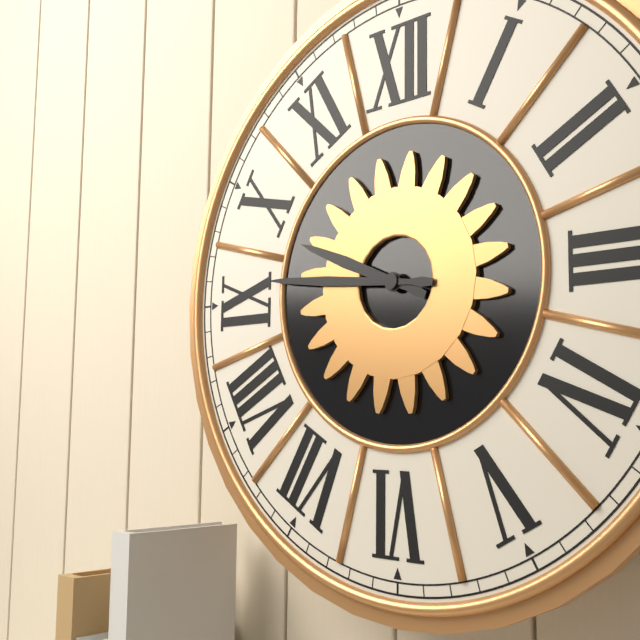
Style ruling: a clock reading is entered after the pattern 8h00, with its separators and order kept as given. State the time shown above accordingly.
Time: 9h46
